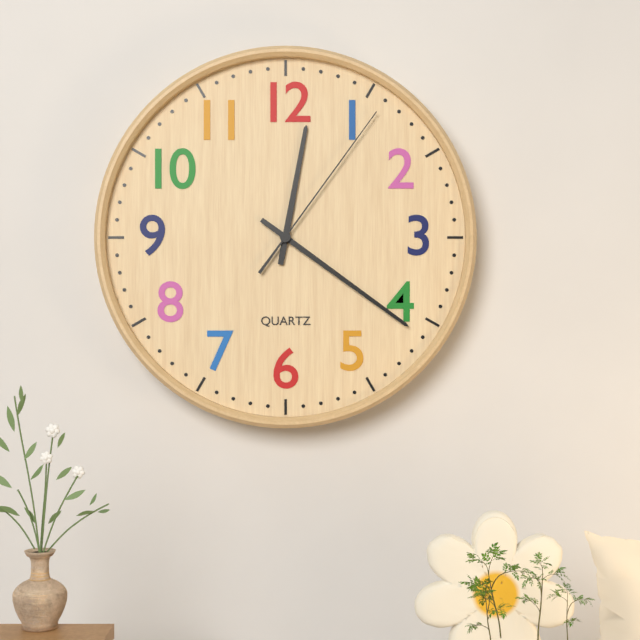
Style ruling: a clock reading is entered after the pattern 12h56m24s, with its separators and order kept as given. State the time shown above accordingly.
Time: 12h21m06s
